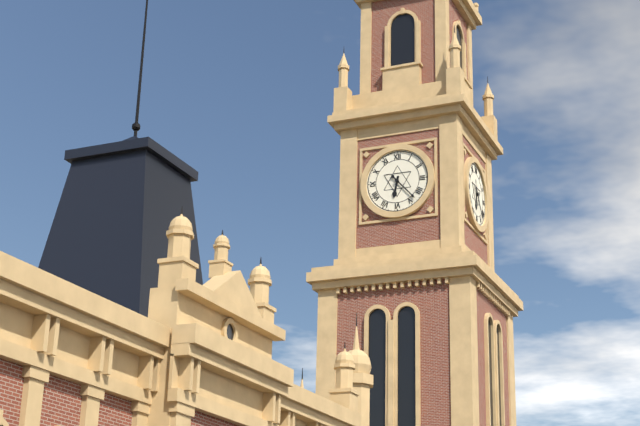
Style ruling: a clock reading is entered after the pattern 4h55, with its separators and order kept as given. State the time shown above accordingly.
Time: 6h23
